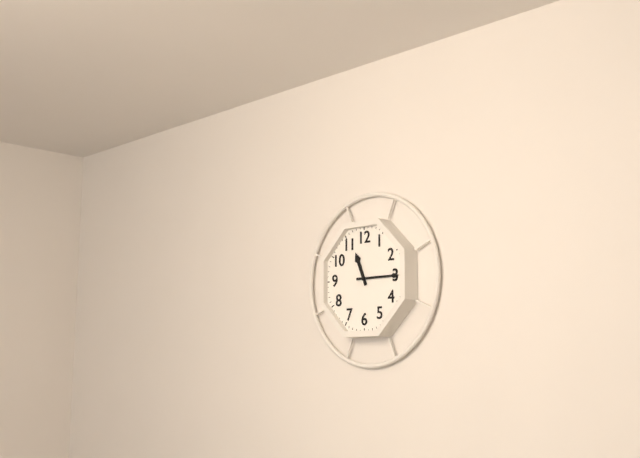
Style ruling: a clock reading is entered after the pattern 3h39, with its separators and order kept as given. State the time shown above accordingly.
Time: 11h15
